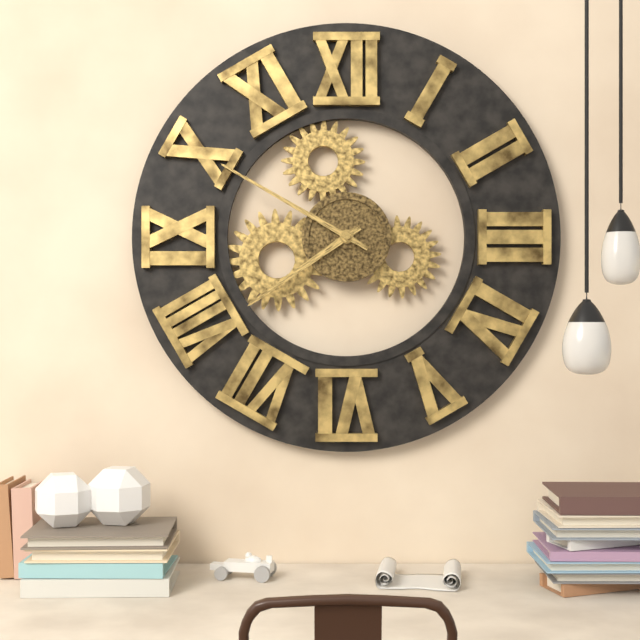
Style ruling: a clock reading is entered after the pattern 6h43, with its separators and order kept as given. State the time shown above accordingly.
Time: 7h50
